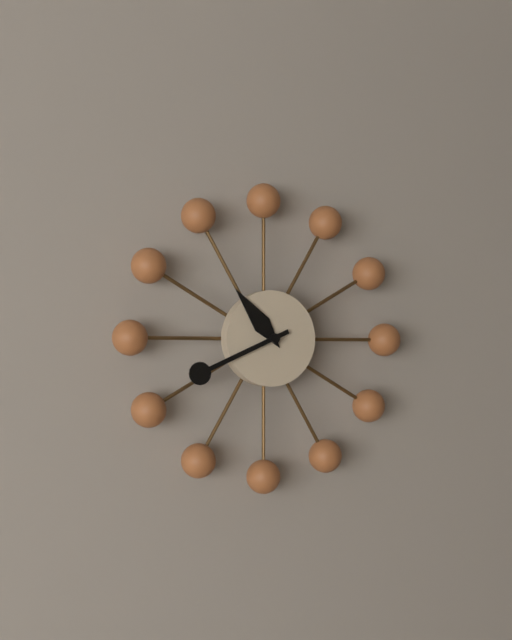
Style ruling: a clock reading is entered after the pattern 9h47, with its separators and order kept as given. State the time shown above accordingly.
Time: 10h41
